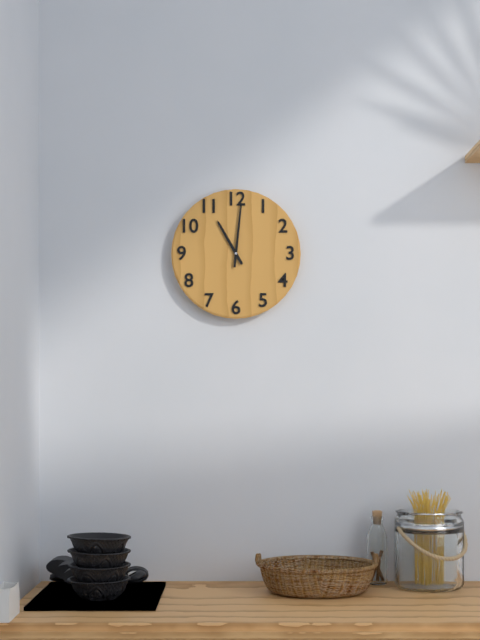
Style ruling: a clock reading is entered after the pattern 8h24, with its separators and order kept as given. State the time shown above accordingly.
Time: 11h01
